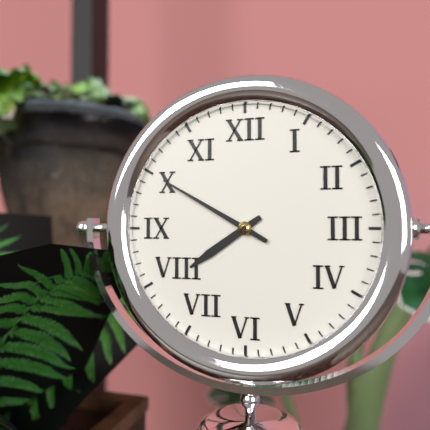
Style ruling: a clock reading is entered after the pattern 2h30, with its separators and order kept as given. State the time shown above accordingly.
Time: 7h50
